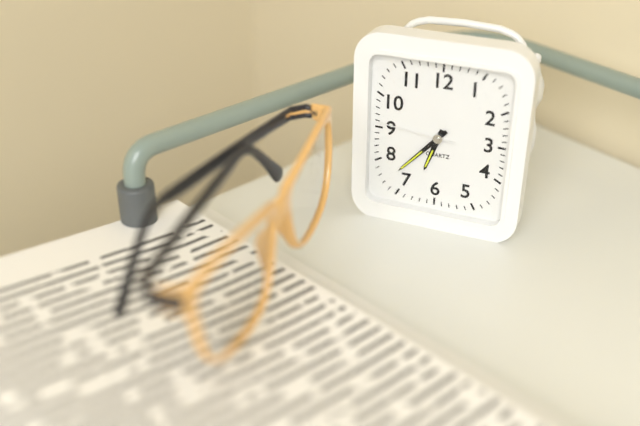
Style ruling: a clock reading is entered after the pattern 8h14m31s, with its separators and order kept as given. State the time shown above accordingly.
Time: 6h37m46s
